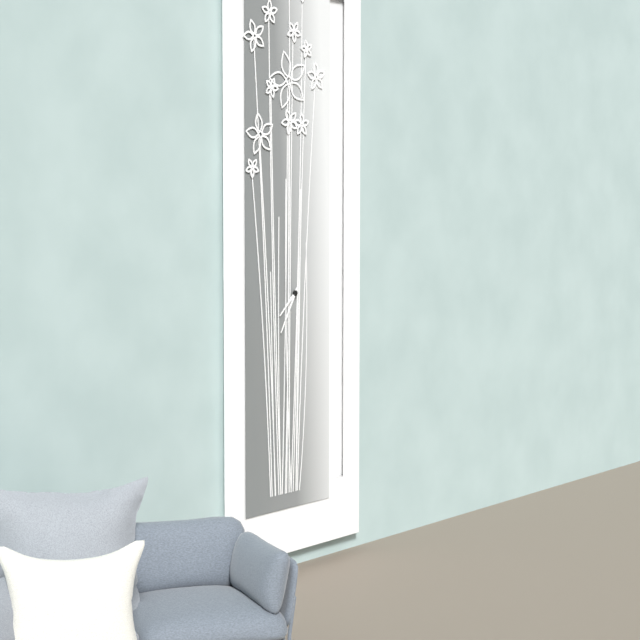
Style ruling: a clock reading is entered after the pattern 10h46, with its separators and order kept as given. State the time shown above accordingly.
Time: 7h35
